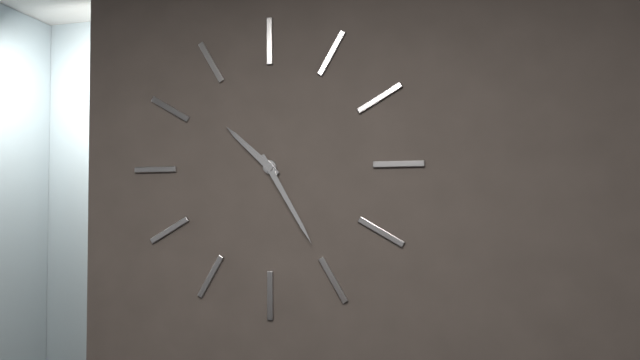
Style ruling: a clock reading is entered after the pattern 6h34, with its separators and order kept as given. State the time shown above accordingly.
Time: 10h25
